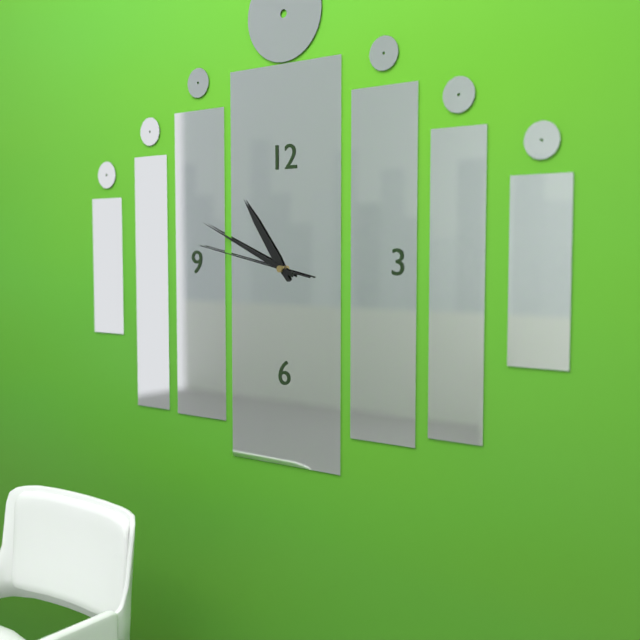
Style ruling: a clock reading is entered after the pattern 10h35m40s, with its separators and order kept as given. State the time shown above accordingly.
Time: 10h49m47s
